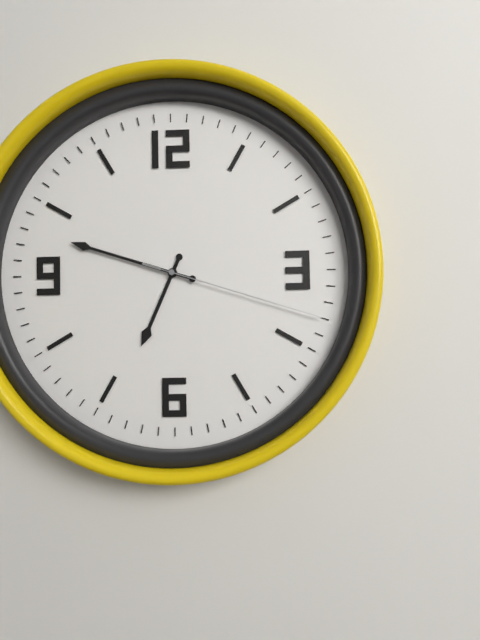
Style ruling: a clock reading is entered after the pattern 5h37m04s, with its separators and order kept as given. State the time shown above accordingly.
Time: 6h48m18s
